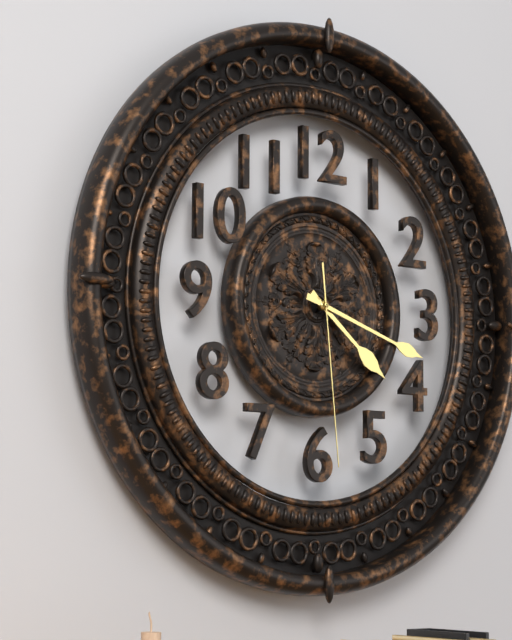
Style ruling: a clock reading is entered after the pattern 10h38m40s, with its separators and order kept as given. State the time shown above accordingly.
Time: 4h18m29s
